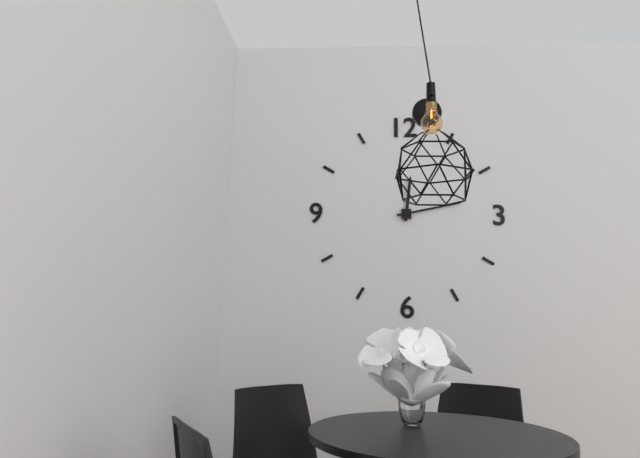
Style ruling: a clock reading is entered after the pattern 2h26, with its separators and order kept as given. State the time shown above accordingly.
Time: 12h13
